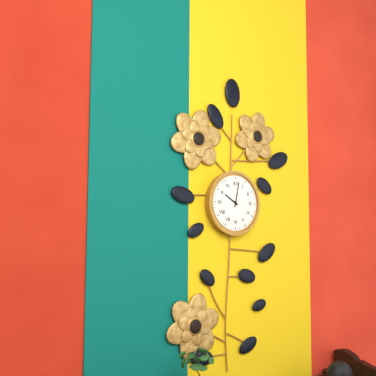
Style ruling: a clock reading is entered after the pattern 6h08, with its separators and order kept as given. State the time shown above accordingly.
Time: 10h02
